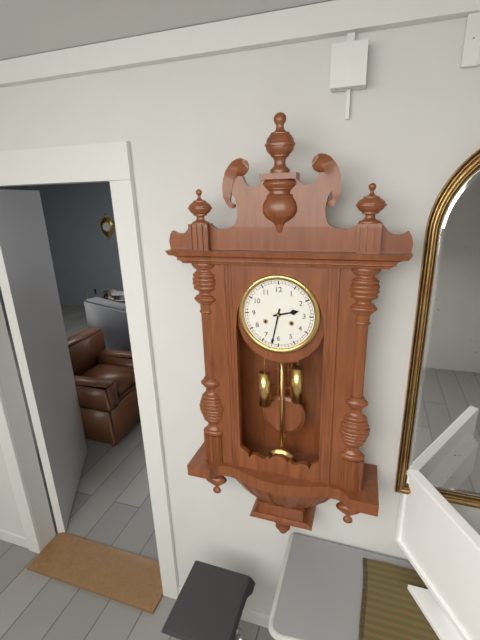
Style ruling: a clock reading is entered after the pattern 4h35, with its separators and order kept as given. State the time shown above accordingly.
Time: 2h32
